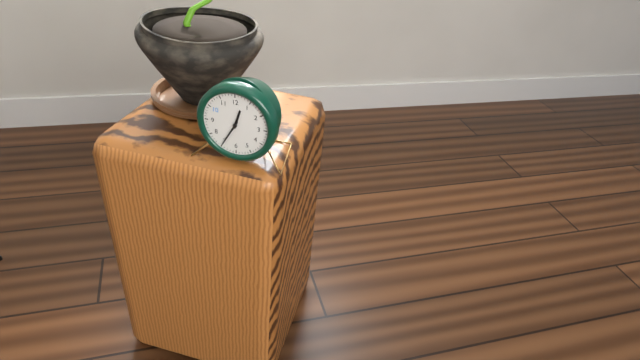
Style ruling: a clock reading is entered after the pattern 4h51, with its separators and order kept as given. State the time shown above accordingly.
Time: 12h35
